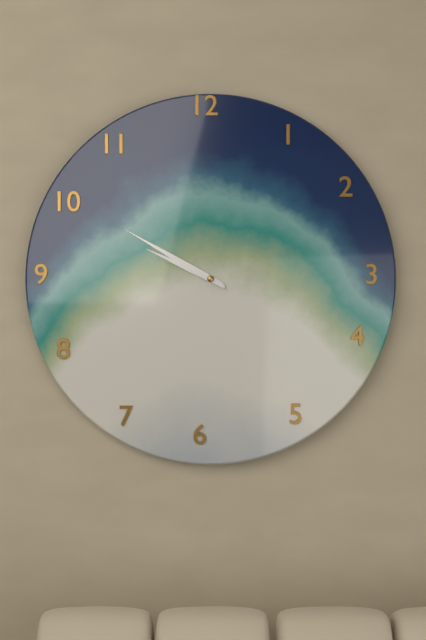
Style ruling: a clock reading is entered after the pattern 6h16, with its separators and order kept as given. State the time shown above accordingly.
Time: 9h50
